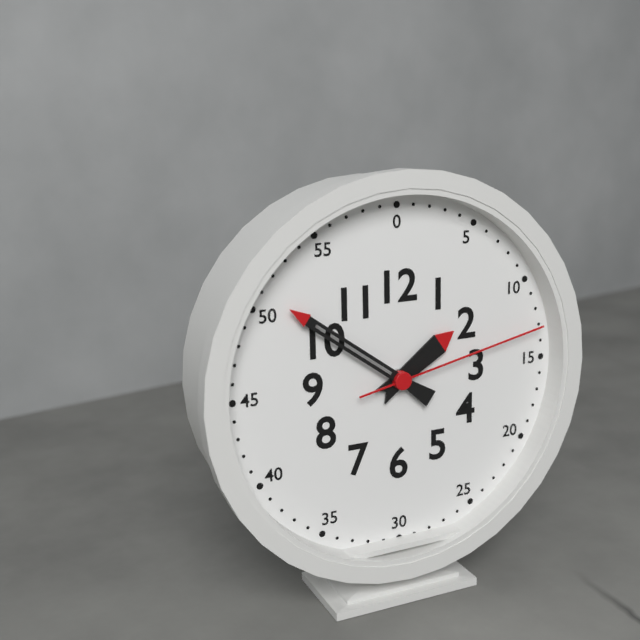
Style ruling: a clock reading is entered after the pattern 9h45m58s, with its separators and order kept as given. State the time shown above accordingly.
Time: 1h51m13s
